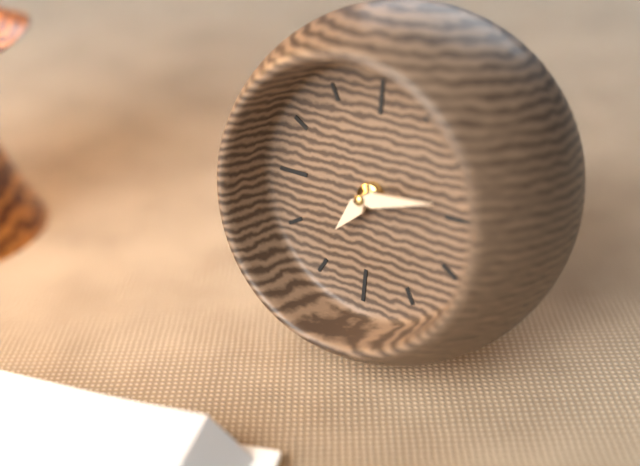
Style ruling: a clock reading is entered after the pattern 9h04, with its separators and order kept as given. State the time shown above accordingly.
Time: 7h13
